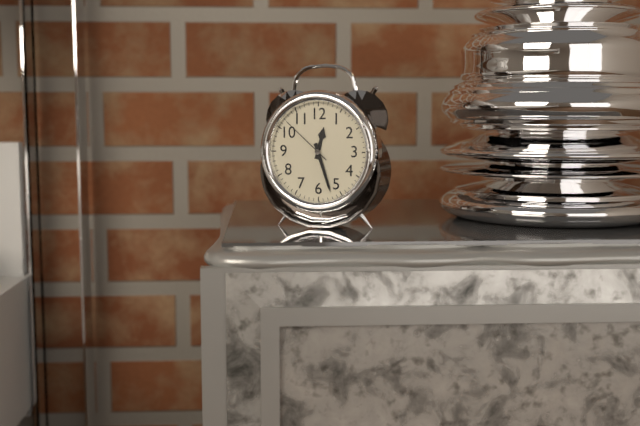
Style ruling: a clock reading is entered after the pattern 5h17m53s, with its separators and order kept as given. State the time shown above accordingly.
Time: 12h27m52s
